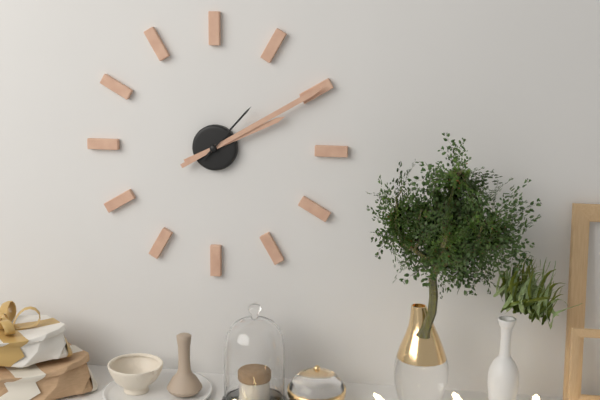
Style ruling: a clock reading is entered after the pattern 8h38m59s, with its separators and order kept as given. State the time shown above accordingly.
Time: 2h10m07s
